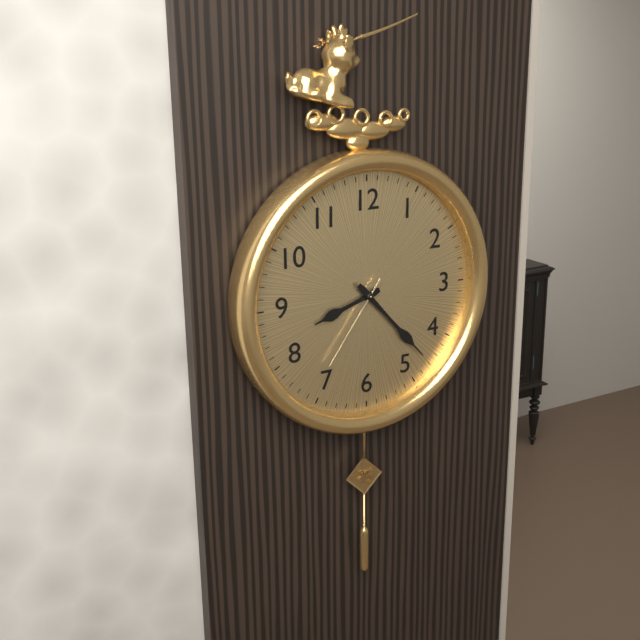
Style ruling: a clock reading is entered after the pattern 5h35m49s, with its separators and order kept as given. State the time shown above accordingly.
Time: 8h23m36s
